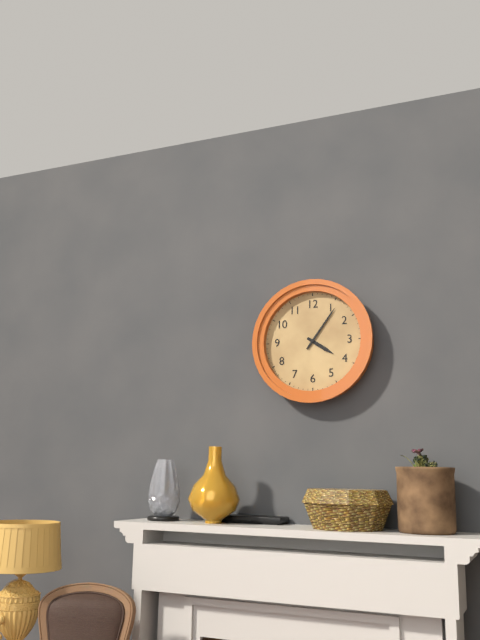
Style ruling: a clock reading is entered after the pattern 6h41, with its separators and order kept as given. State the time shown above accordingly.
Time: 4h06
